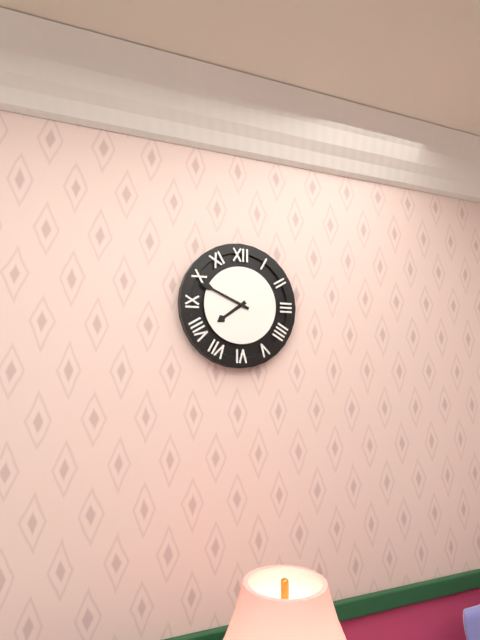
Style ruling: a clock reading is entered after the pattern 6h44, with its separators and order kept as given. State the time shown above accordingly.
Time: 7h49
